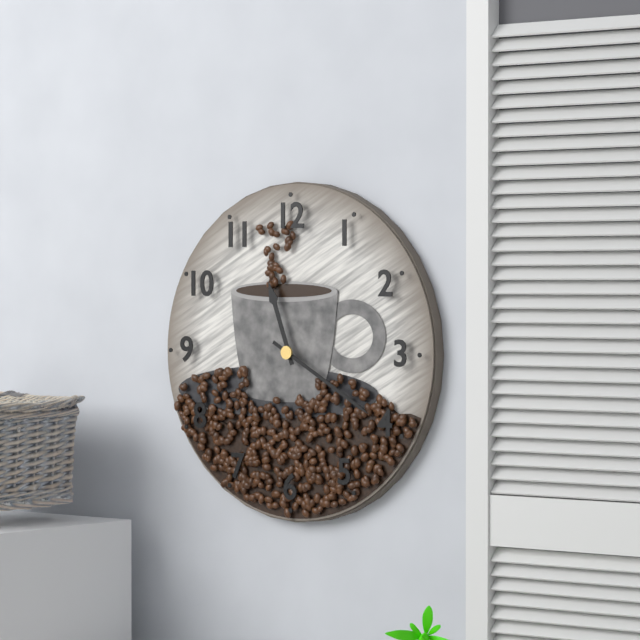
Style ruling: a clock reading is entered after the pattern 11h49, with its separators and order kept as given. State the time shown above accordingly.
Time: 11h20
